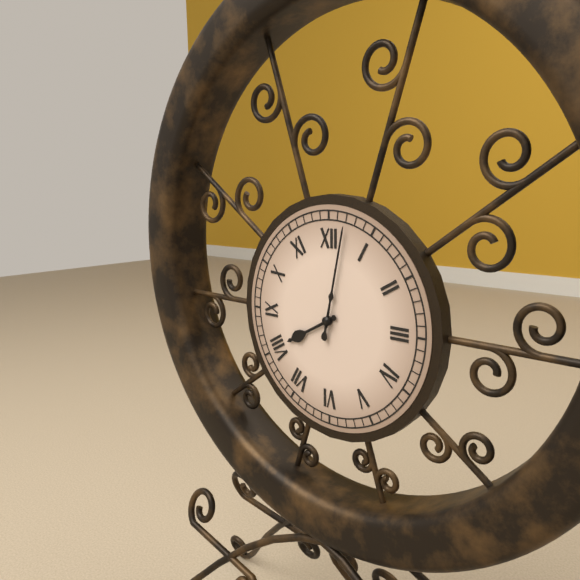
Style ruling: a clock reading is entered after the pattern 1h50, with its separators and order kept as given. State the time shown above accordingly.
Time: 8h02
